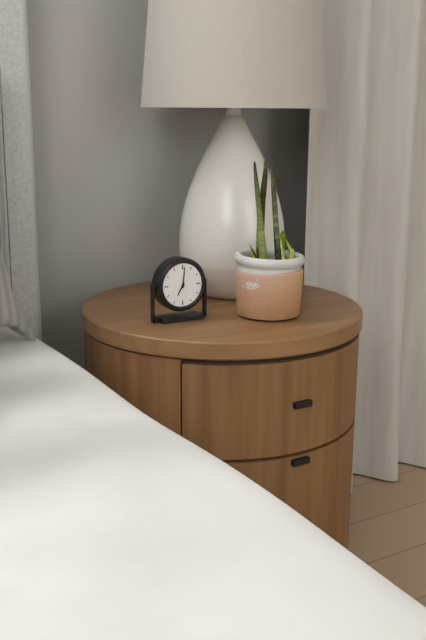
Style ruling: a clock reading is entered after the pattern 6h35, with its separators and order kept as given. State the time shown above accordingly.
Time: 7h01
